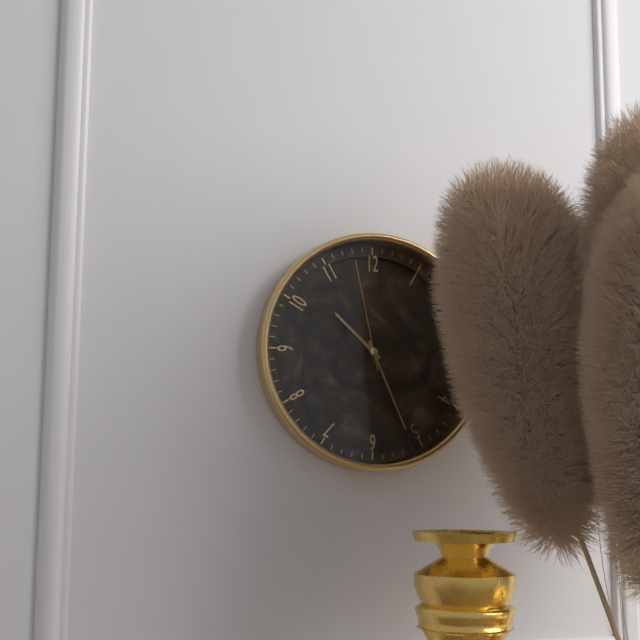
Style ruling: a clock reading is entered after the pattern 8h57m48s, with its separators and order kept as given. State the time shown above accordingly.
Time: 10h26m58s
